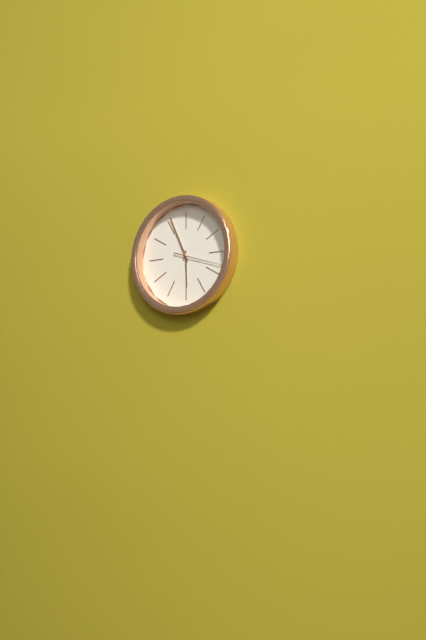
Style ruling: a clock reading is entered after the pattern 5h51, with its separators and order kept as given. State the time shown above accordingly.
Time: 5h56
